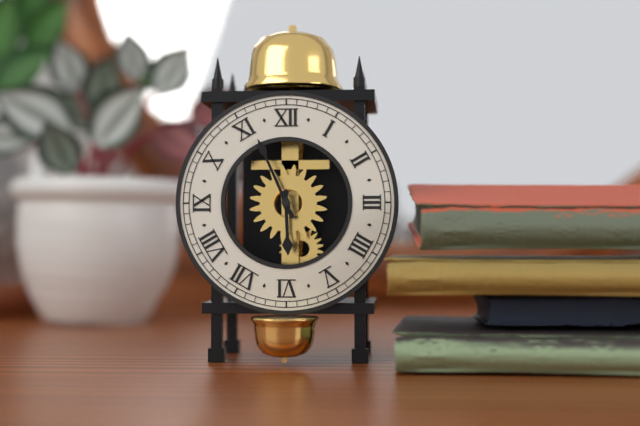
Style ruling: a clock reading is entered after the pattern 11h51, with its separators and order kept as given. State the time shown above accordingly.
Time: 5h56
